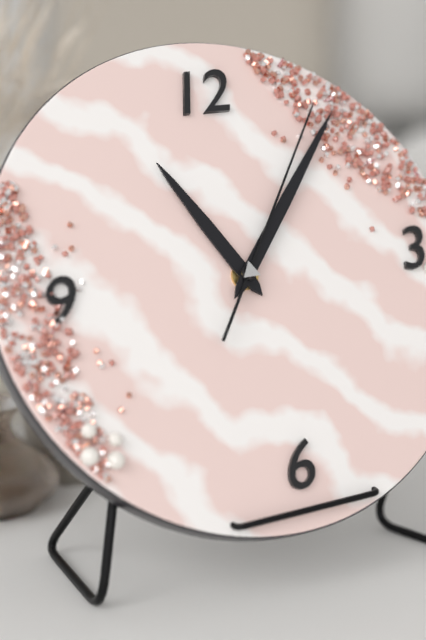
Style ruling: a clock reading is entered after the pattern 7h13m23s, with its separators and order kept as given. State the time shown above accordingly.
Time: 11h07m06s
